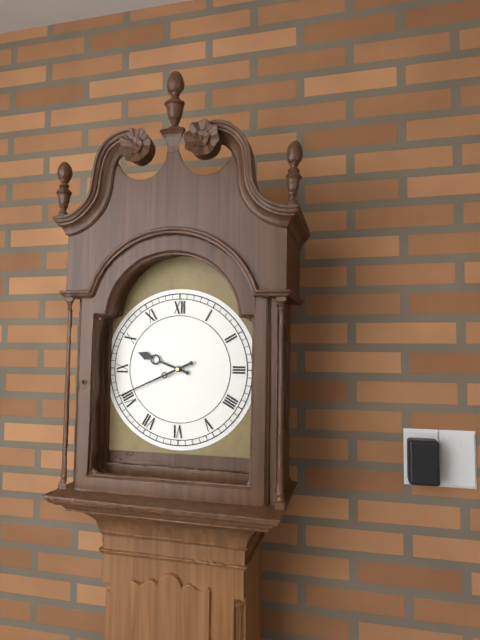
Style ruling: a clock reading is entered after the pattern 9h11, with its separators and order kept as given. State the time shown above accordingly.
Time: 9h41
